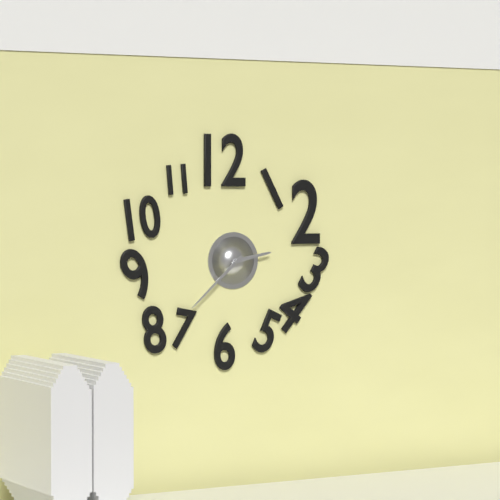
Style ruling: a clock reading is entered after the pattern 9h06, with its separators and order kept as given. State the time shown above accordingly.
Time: 2h38
